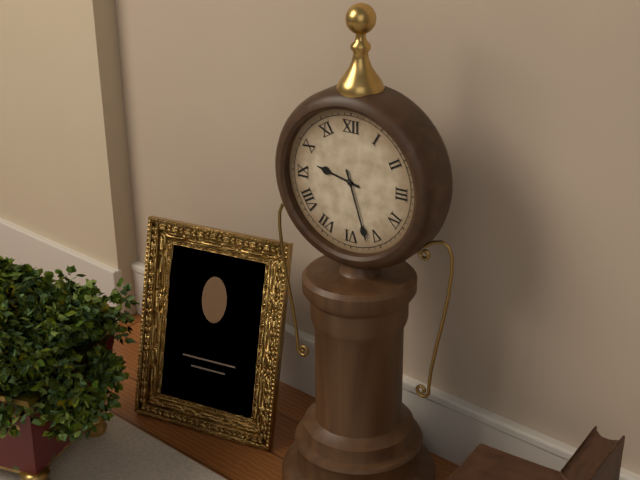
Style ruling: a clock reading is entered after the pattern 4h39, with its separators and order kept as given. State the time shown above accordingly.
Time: 9h27
